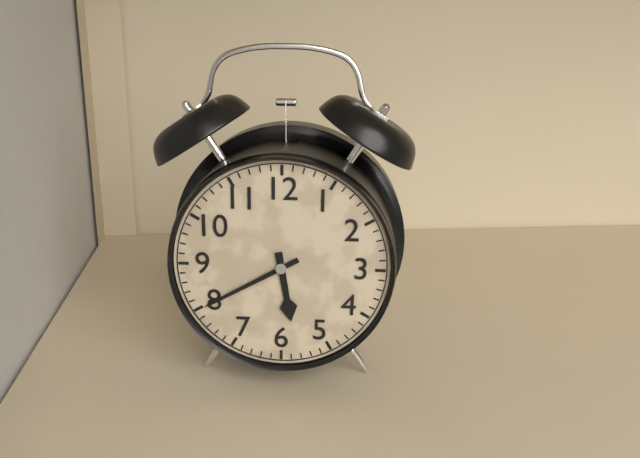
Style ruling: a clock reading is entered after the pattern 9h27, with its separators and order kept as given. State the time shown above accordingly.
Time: 5h40
